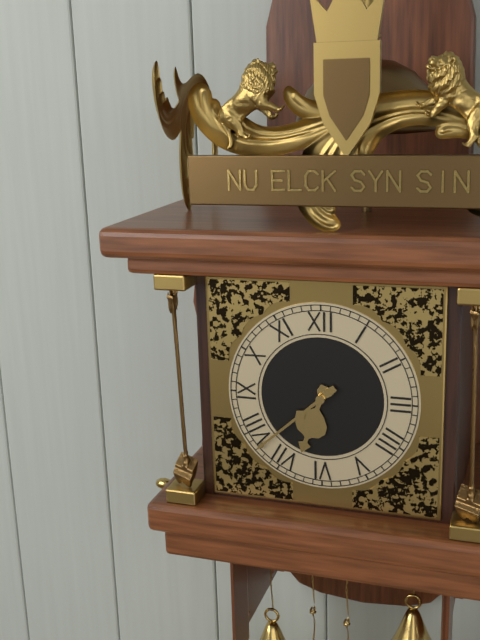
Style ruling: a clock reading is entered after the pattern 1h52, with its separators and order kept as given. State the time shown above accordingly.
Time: 6h38
